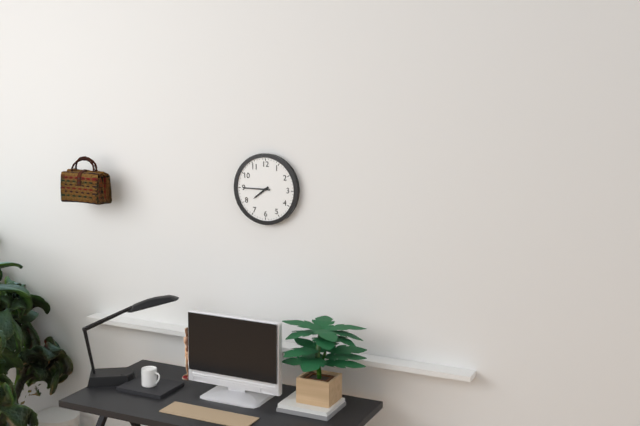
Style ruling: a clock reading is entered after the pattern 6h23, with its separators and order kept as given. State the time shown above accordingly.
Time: 7h45
